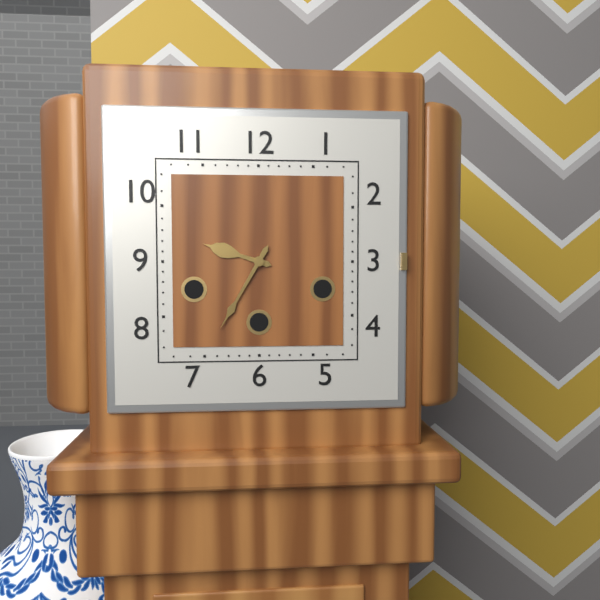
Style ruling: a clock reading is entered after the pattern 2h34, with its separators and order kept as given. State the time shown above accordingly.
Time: 9h35
